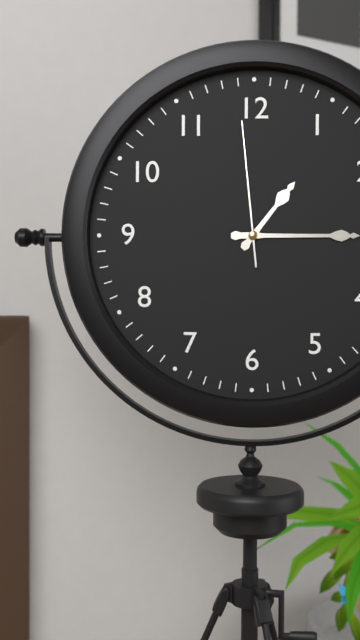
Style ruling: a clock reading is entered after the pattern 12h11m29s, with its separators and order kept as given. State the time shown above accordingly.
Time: 1h15m59s
